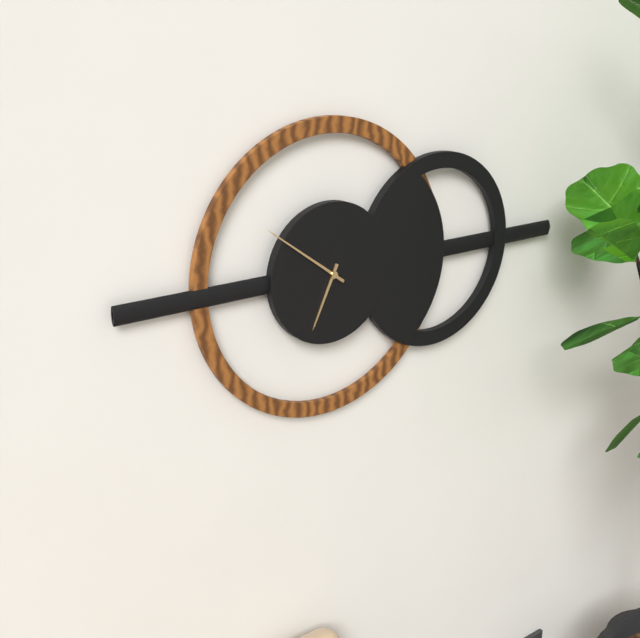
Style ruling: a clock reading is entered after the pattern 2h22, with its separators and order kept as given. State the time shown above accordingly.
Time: 6h51
